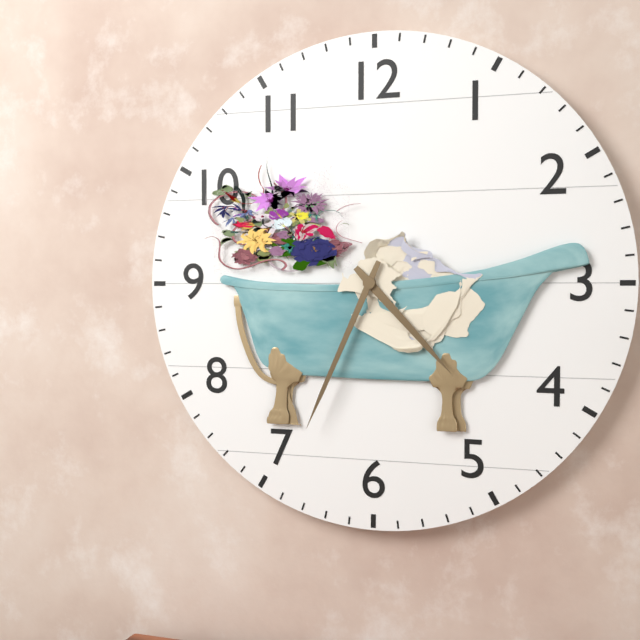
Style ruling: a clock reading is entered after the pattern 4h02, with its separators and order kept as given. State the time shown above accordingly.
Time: 4h34
